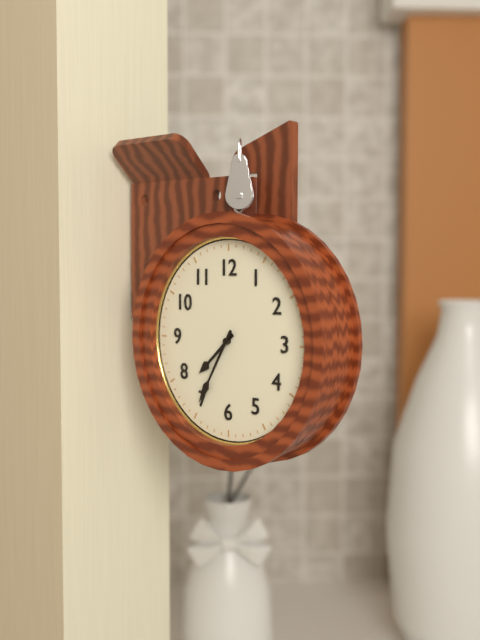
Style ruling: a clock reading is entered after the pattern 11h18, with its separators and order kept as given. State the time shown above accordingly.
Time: 7h35
